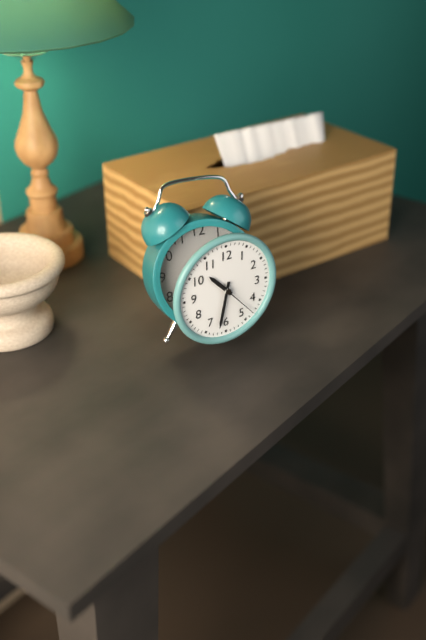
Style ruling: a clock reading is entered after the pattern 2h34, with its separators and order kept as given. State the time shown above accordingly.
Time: 10h32
